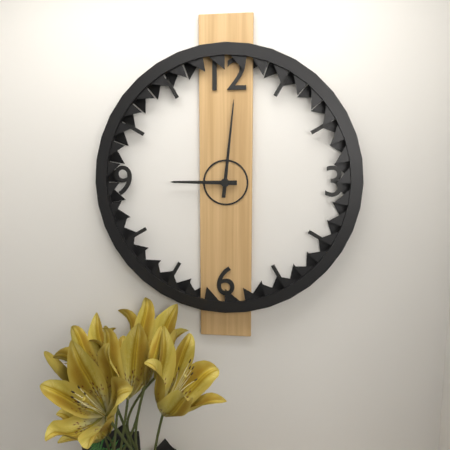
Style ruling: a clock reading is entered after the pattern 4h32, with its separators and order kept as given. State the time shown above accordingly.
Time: 9h01
